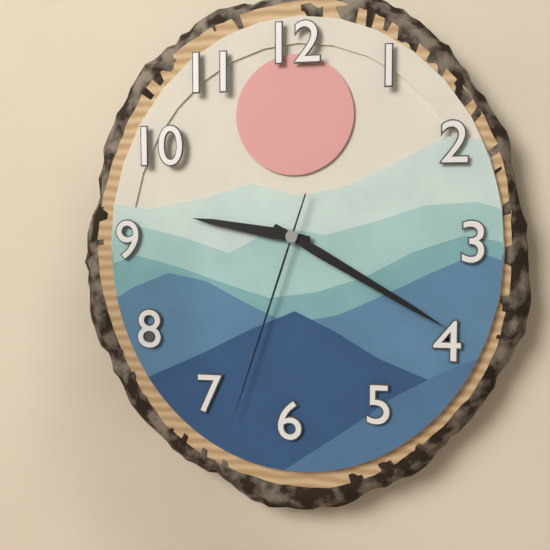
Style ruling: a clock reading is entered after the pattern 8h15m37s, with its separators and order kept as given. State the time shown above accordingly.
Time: 9h20m33s
